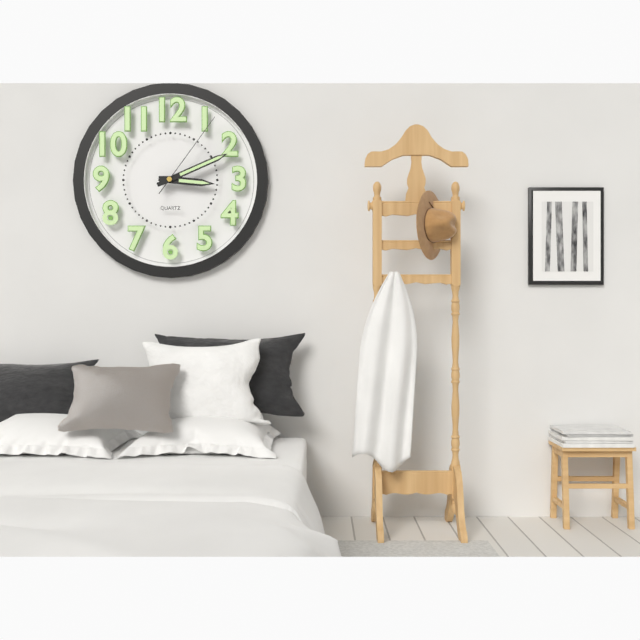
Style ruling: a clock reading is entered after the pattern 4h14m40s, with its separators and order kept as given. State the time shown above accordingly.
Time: 3h11m06s
